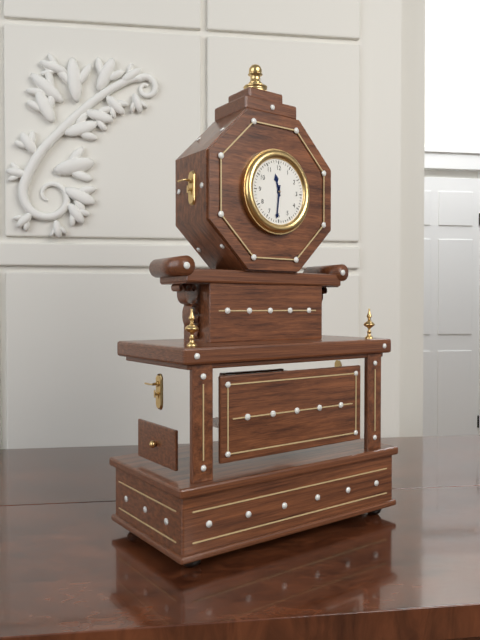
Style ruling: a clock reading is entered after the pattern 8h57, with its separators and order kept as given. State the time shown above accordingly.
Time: 11h31
